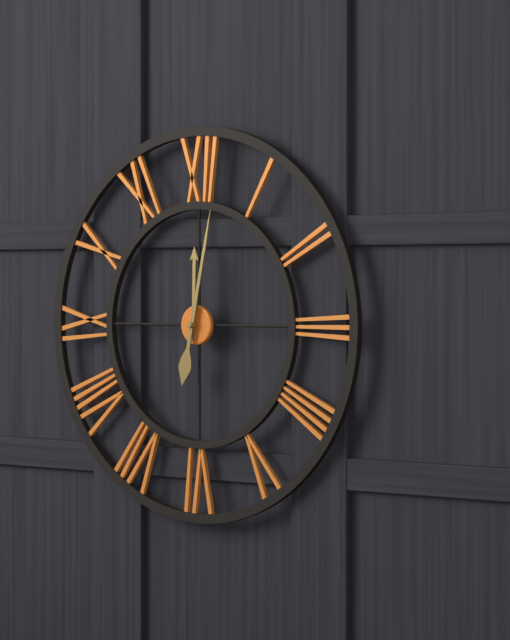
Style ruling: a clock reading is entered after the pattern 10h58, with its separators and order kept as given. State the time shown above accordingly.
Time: 12h02
